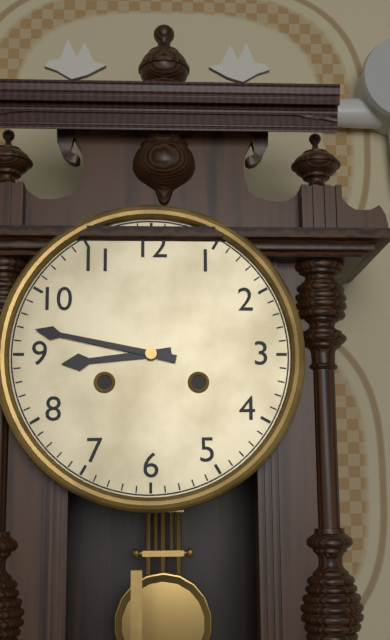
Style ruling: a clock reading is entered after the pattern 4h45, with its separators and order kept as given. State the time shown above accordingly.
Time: 8h47
